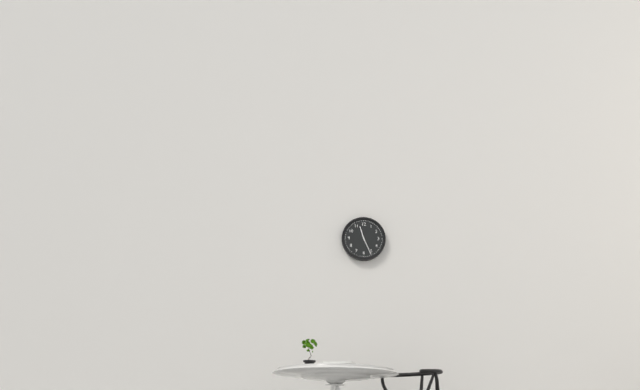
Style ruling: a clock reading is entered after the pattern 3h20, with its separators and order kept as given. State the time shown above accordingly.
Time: 11h26
